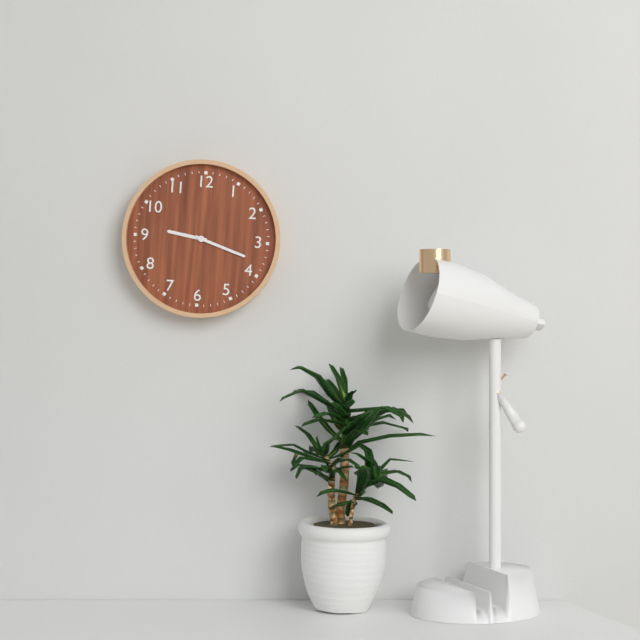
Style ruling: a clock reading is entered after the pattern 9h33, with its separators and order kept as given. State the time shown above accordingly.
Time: 9h18
